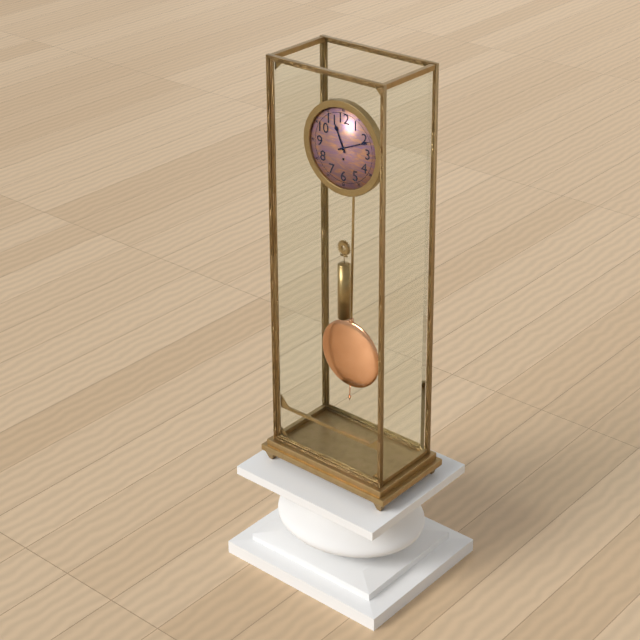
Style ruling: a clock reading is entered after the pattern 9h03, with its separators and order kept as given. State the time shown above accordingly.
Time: 11h11
